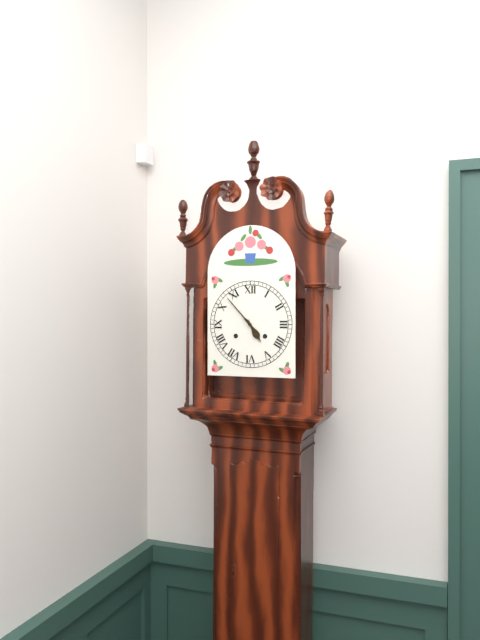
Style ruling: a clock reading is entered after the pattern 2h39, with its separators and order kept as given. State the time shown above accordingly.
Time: 4h53
